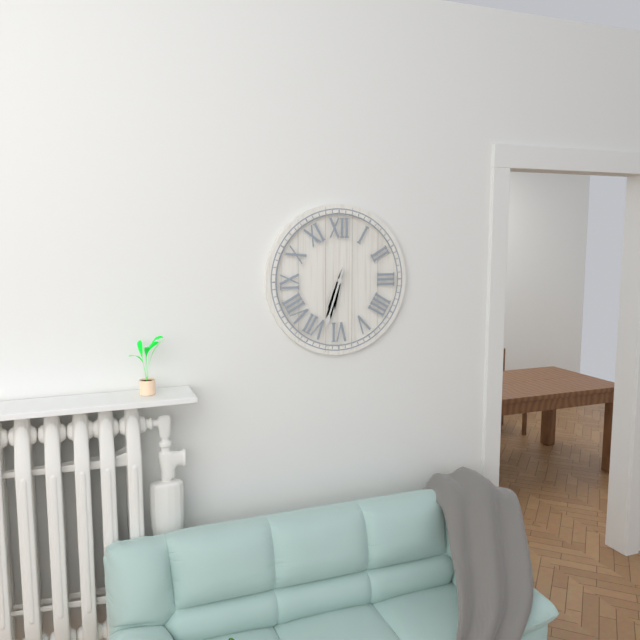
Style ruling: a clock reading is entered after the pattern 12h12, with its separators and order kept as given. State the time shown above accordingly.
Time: 6h33
